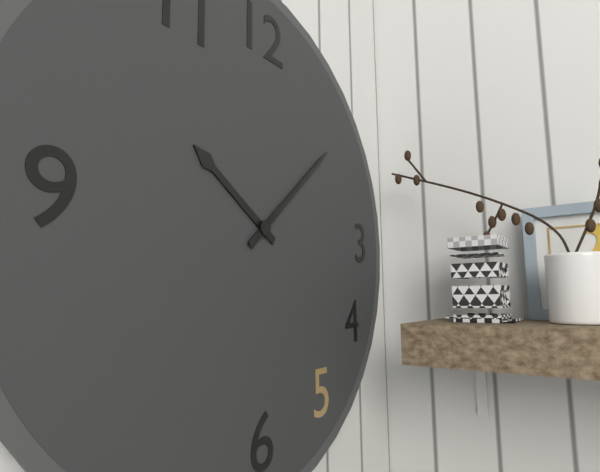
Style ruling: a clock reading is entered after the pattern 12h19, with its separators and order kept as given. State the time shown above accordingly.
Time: 10h08
